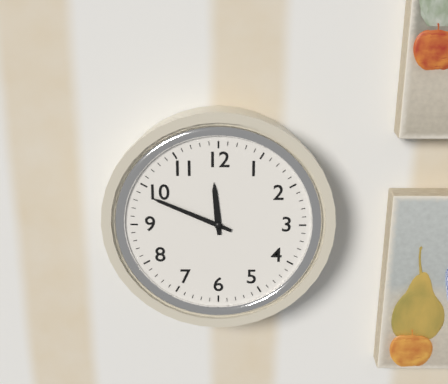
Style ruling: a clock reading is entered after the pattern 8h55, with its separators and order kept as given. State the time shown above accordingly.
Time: 11h49
